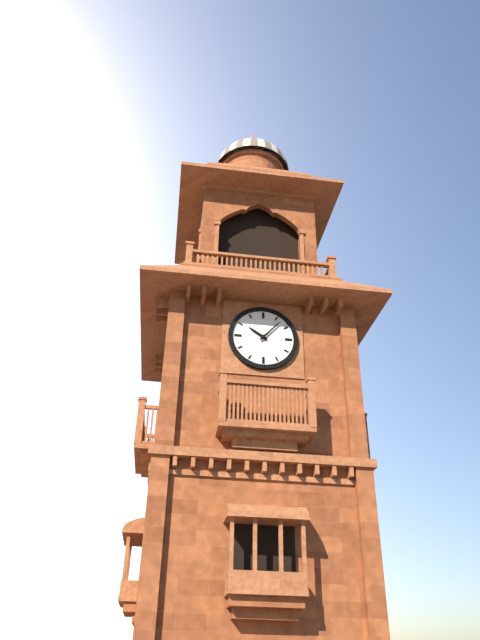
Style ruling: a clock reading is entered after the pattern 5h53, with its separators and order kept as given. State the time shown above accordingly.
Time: 10h07
